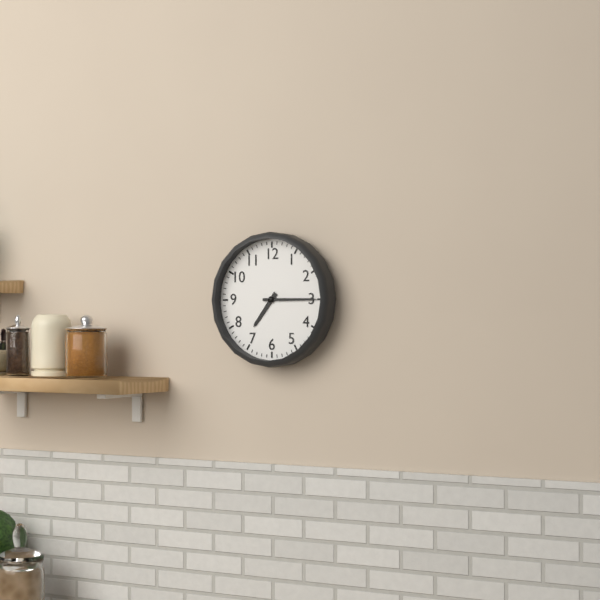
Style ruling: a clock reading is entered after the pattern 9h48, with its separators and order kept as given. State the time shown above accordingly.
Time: 7h15
